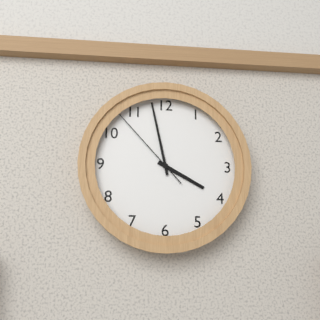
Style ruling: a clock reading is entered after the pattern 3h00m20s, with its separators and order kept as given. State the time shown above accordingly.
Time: 3h58m53s
